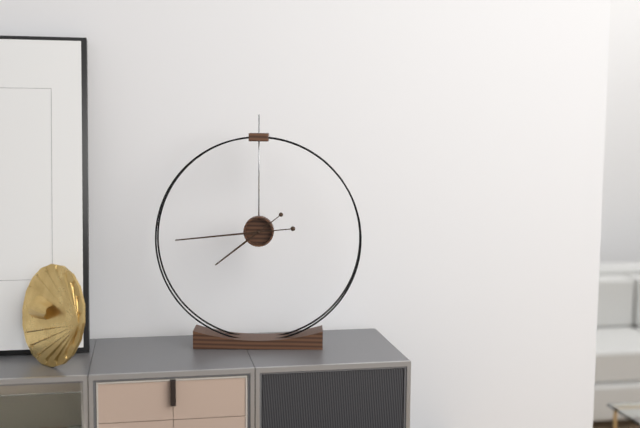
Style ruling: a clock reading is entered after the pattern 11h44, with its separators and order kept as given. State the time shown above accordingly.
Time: 7h44
